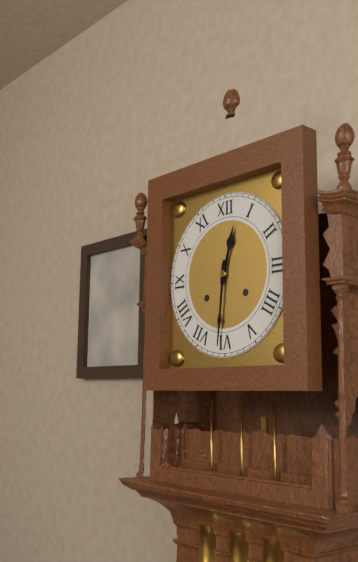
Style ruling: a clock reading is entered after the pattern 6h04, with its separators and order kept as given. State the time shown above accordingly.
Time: 12h31
